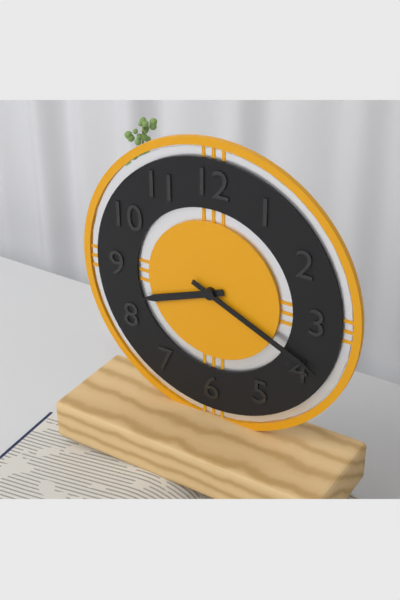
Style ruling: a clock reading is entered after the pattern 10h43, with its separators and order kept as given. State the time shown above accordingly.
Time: 8h19
